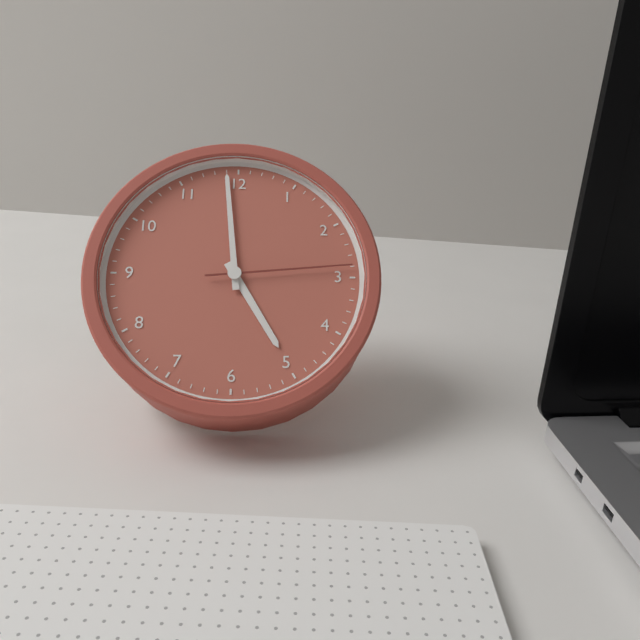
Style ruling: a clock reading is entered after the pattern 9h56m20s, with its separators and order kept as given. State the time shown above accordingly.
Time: 4h59m14s
